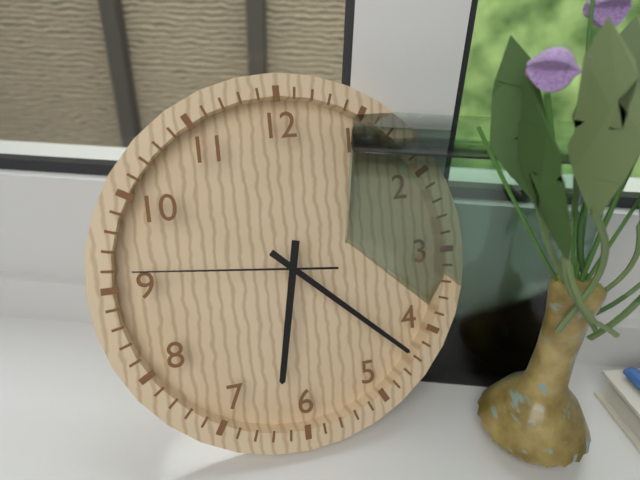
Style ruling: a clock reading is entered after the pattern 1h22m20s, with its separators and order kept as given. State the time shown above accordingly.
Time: 6h22m46s
